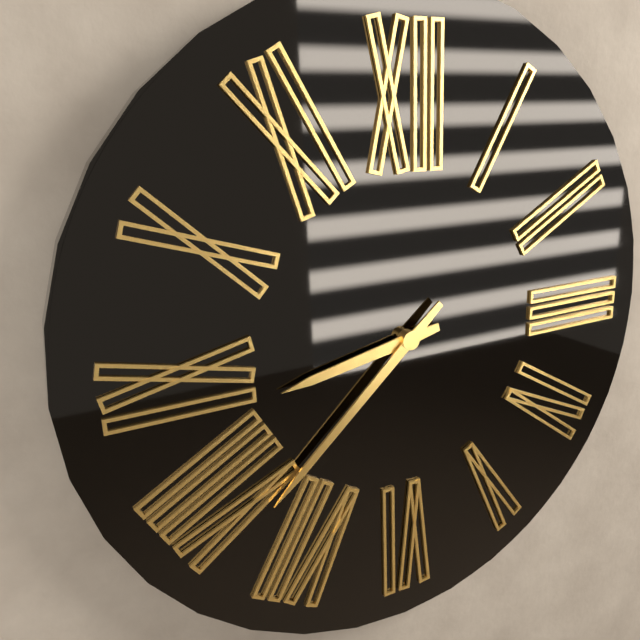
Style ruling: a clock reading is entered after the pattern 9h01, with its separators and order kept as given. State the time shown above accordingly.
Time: 8h38
